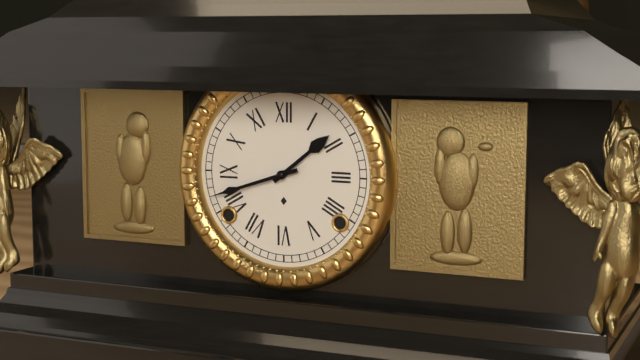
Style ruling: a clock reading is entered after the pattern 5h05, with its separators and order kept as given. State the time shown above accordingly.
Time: 1h42
